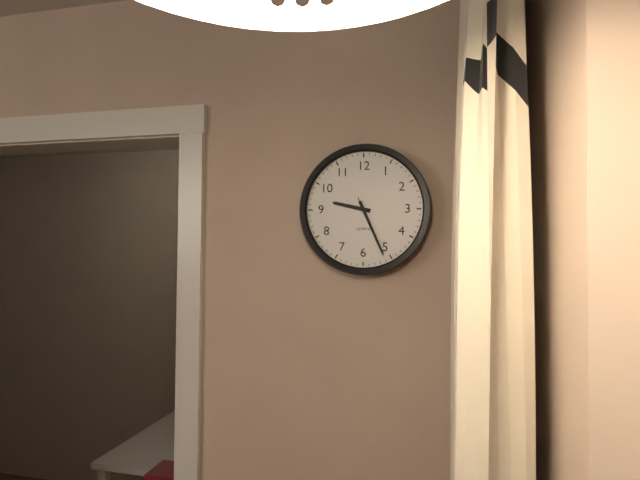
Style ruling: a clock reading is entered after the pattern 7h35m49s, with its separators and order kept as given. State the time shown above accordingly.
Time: 9h26m26s
